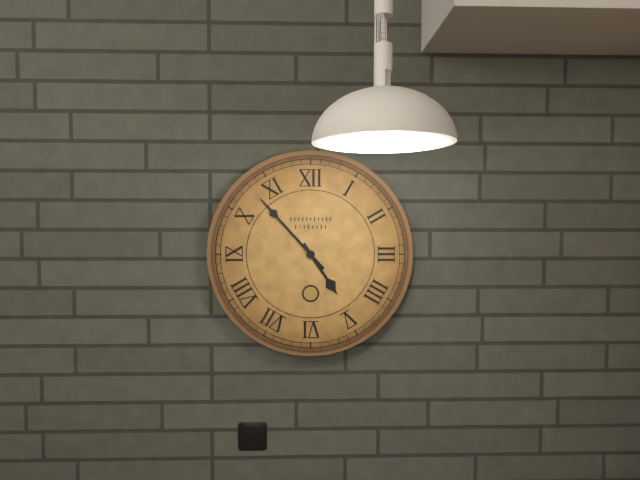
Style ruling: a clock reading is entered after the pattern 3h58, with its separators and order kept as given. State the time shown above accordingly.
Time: 4h53
